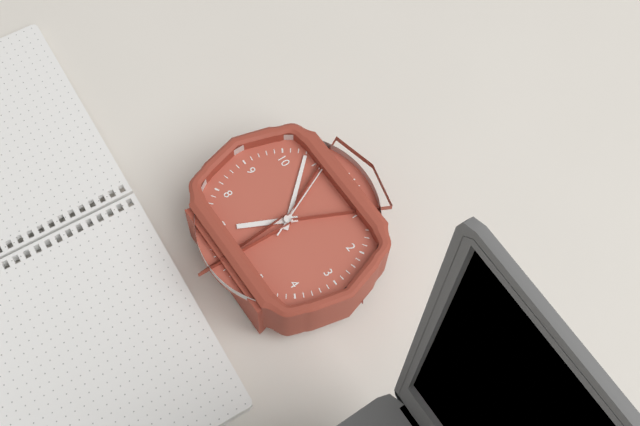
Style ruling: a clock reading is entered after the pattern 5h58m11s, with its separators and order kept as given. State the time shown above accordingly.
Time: 6h53m56s
